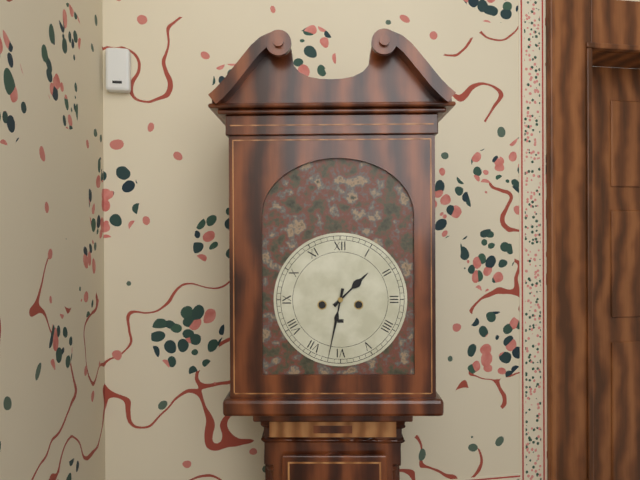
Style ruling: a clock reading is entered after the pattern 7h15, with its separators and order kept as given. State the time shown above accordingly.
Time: 1h32
